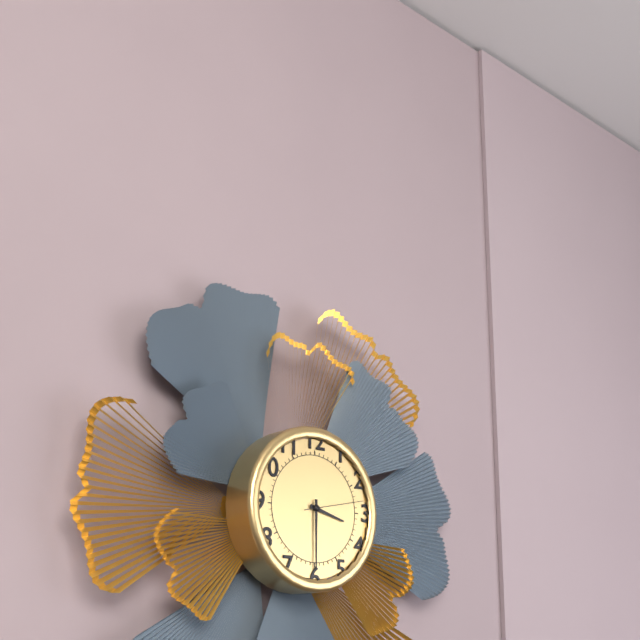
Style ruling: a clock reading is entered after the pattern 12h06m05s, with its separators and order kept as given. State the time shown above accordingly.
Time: 3h30m13s
